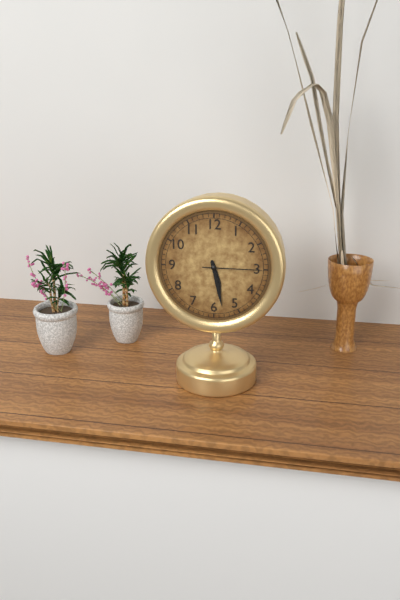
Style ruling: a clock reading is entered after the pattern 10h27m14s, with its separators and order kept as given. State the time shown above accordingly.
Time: 5h28m15s
